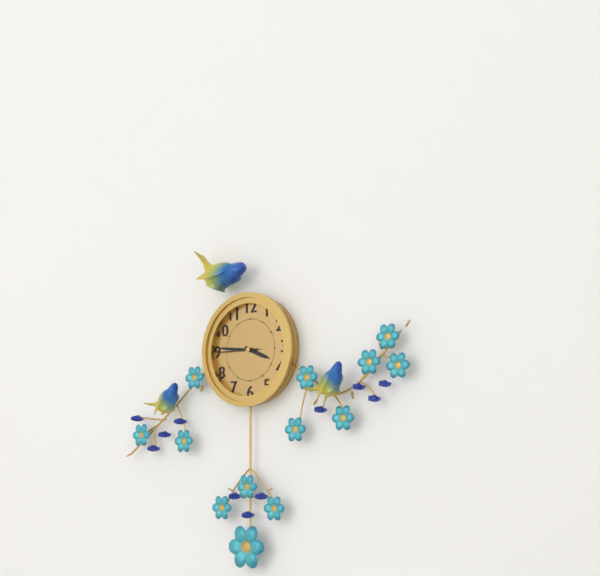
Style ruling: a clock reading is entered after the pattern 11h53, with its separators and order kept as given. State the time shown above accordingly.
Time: 3h46
